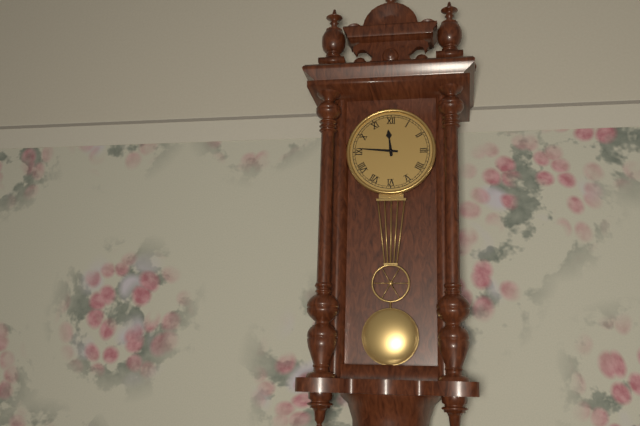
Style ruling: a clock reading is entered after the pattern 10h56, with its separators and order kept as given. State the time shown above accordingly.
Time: 11h46
